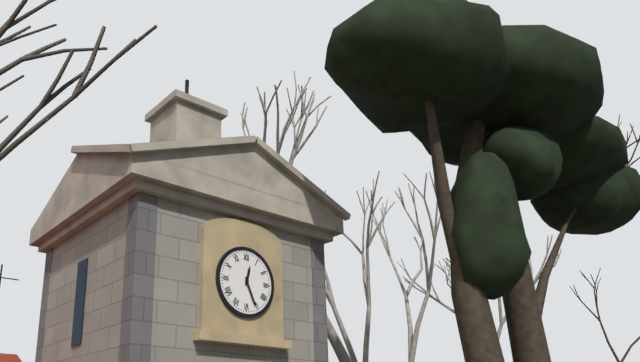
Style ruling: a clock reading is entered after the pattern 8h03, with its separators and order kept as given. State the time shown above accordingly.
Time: 12h26
